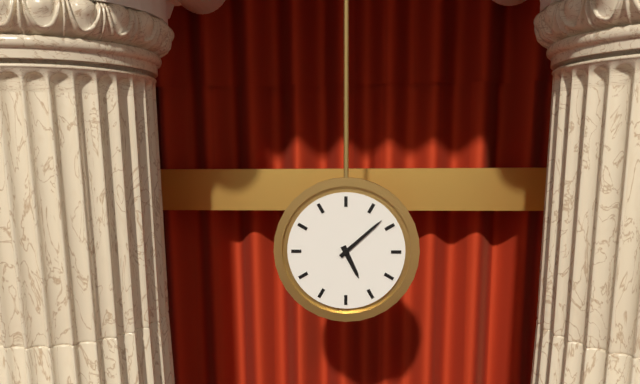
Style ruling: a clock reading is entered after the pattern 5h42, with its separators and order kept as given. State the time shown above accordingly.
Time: 5h08
